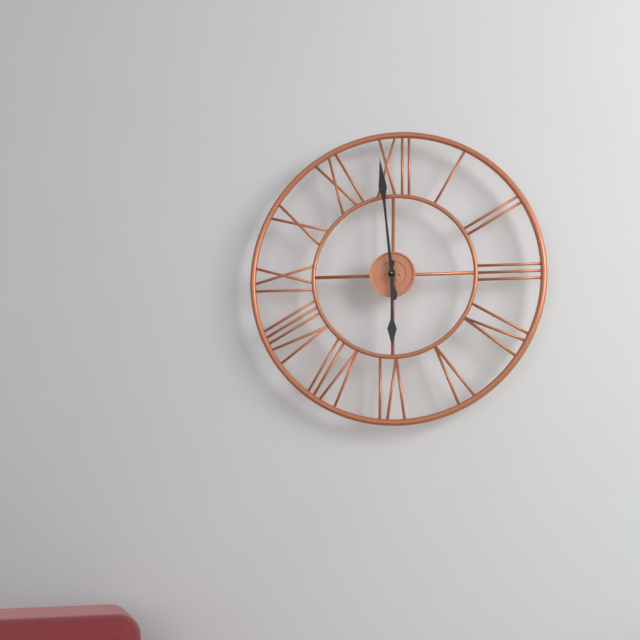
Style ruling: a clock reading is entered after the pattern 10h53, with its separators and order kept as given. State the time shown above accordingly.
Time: 5h59
